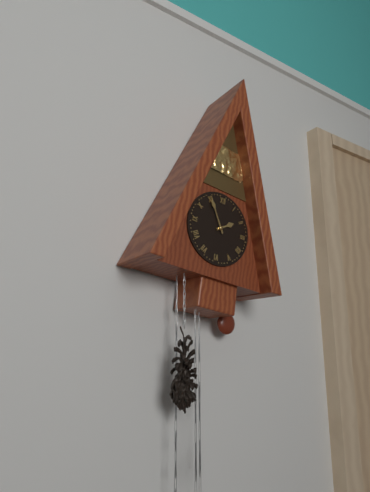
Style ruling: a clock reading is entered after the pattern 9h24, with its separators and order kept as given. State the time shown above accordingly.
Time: 1h55
